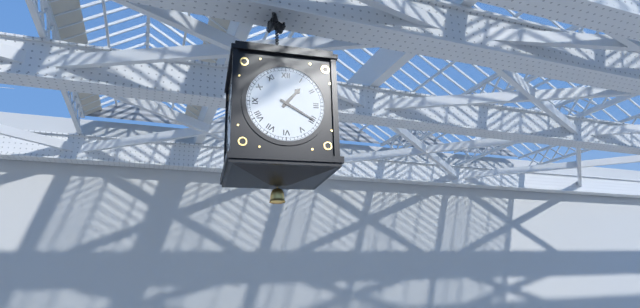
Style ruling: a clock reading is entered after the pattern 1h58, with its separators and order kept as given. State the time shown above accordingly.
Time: 1h20
